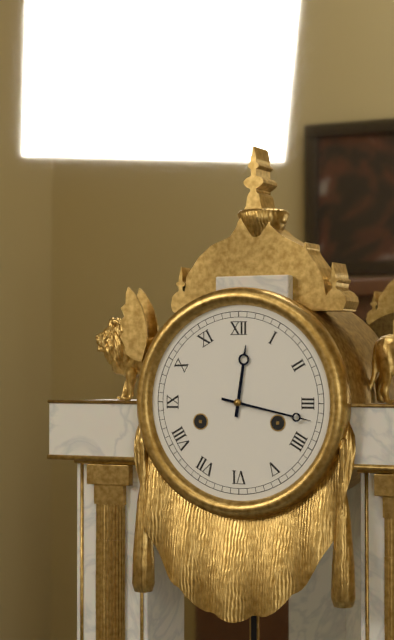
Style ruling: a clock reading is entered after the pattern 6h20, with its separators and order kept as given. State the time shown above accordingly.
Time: 12h17
